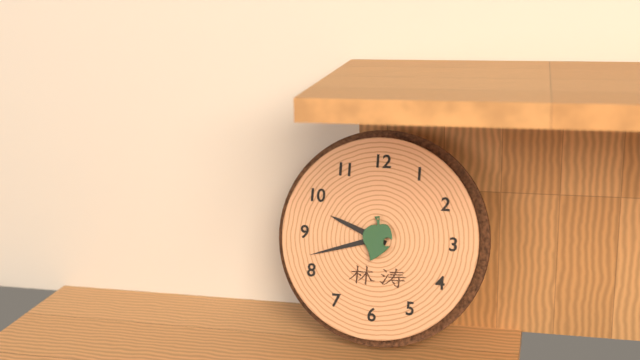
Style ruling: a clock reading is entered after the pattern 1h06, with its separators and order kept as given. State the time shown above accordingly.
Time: 9h42
